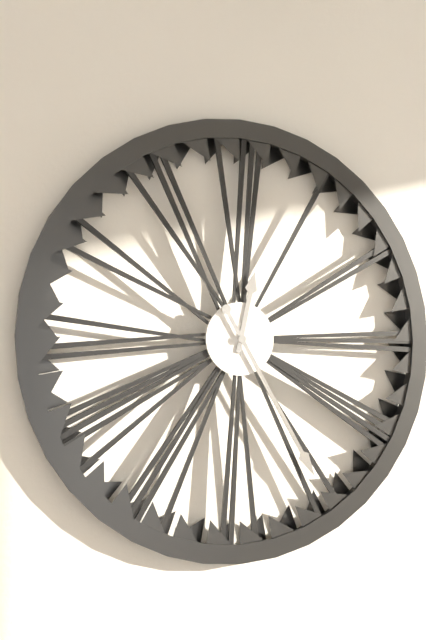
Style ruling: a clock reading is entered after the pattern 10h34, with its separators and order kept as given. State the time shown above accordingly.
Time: 12h25
